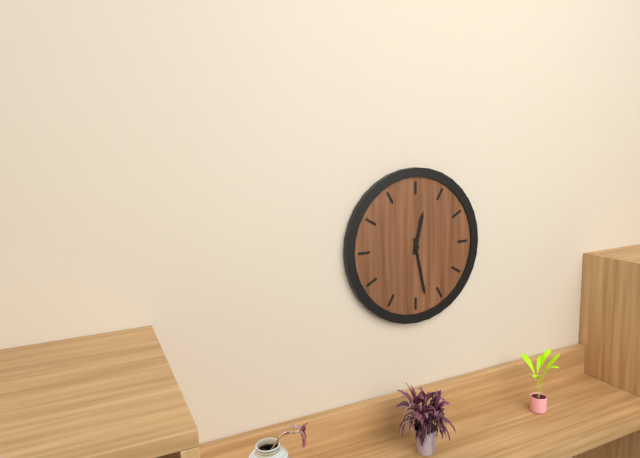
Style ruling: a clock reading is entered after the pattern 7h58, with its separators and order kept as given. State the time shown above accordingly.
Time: 12h28
